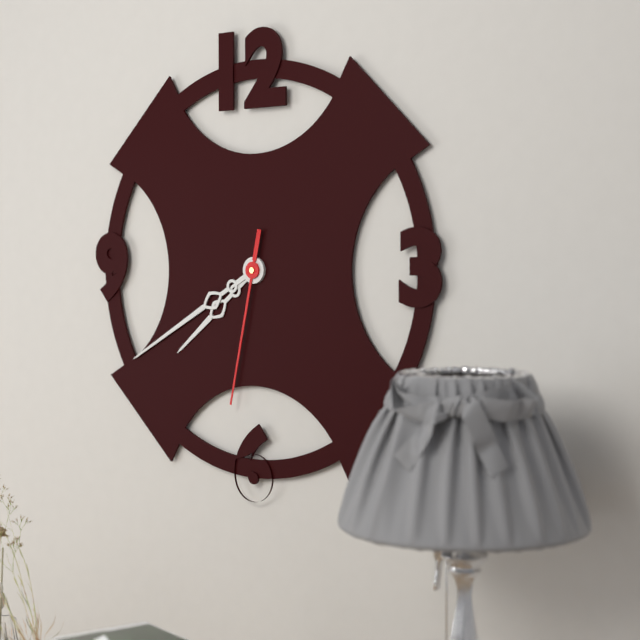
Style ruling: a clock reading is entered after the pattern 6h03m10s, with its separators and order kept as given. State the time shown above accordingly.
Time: 7h40m32s
